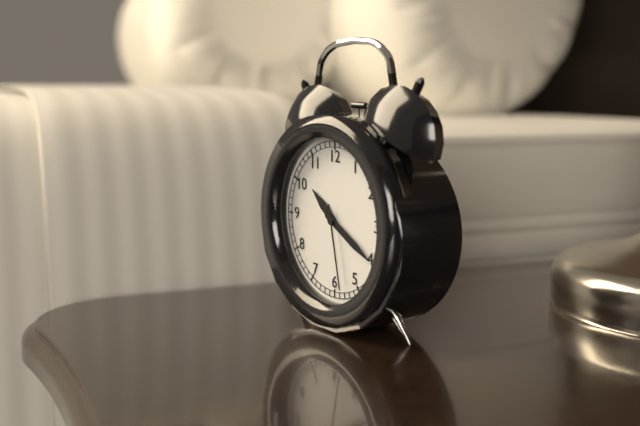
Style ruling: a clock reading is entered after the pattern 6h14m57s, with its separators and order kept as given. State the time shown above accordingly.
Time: 10h20m28s
